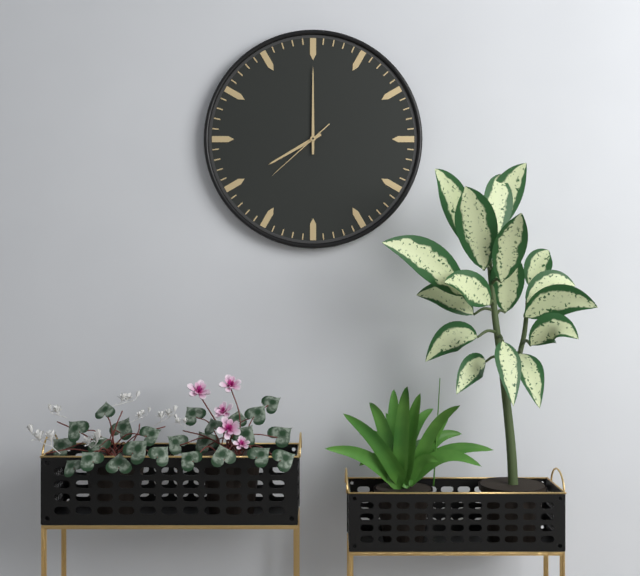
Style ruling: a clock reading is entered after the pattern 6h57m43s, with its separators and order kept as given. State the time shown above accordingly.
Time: 8h00m38s
